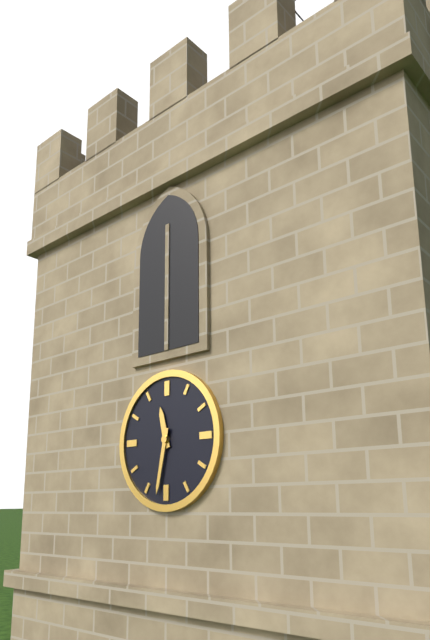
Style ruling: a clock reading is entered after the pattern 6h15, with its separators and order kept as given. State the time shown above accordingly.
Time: 11h32
